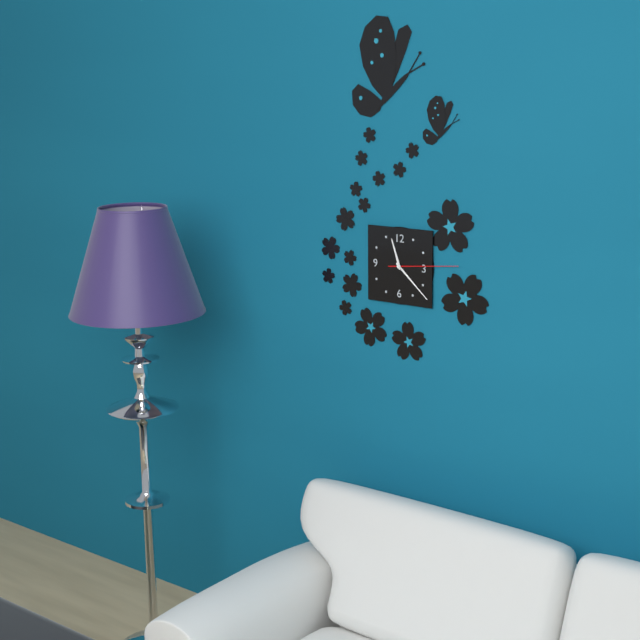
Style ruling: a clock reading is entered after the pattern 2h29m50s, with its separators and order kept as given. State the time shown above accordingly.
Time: 11h22m14s
